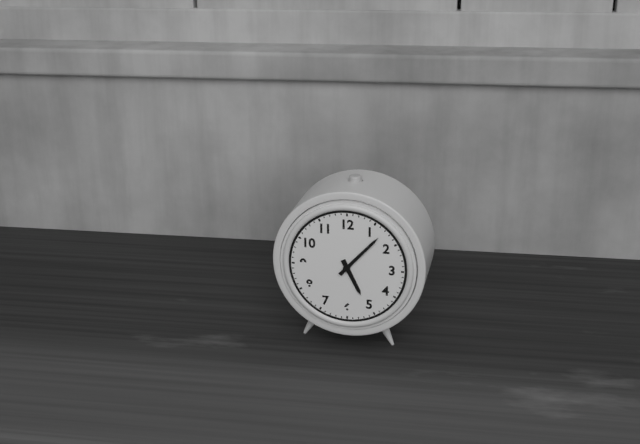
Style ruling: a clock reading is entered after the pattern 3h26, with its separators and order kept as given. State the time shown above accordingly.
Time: 5h07
